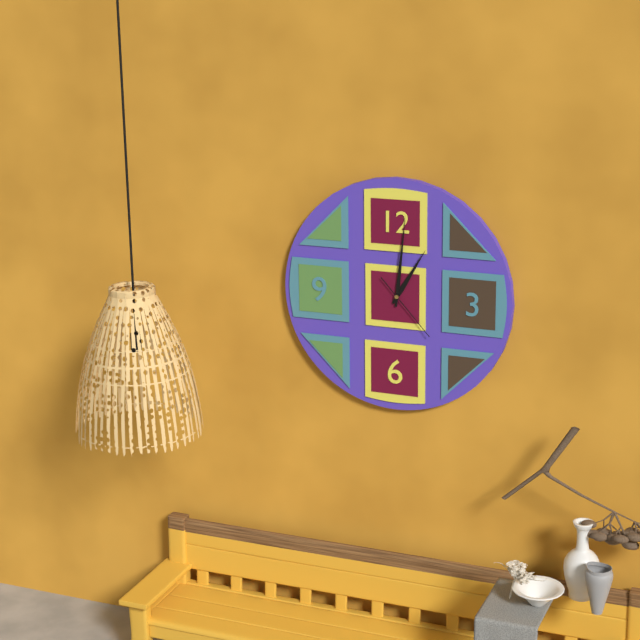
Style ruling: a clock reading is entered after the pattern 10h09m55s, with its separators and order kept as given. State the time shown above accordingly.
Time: 1h01m23s
